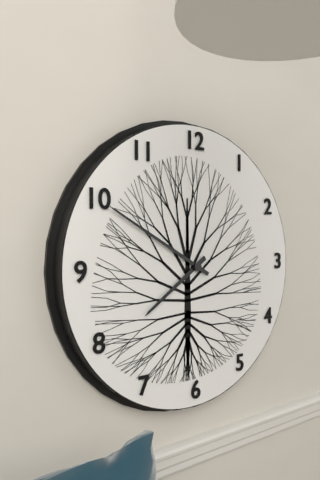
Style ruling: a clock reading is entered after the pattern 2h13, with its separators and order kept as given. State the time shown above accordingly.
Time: 7h50
